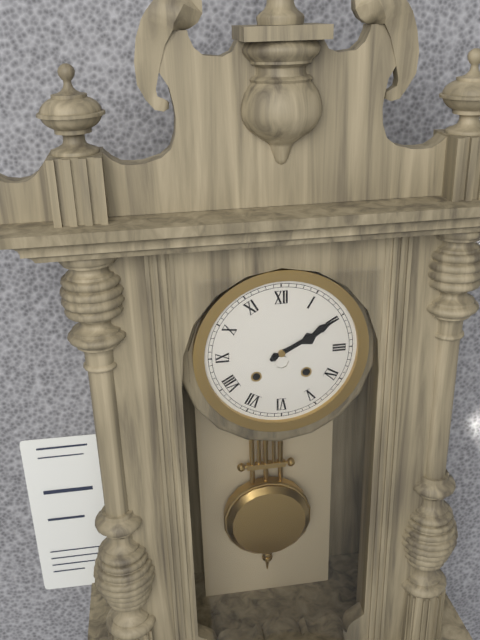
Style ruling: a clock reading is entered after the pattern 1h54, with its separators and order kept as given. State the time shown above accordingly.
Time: 2h10
